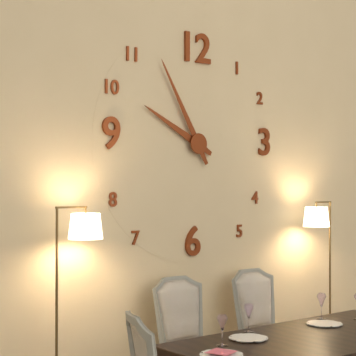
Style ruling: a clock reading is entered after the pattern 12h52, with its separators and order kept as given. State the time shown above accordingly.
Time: 9h55
